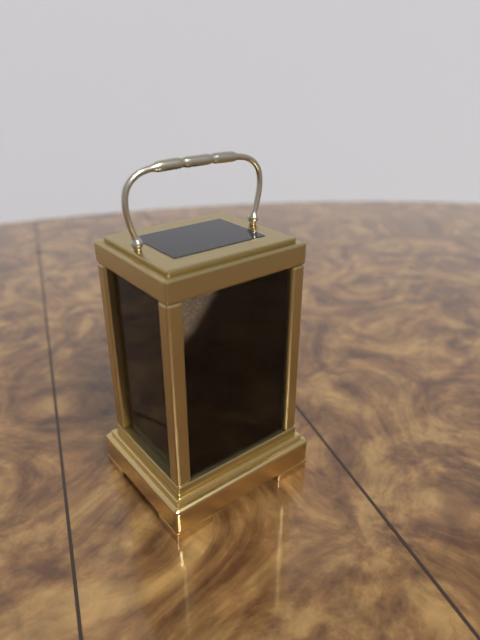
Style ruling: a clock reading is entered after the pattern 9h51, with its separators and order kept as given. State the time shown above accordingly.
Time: 7h35
